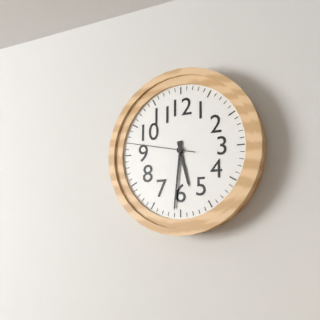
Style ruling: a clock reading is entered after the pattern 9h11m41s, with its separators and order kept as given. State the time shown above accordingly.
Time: 5h31m47s
